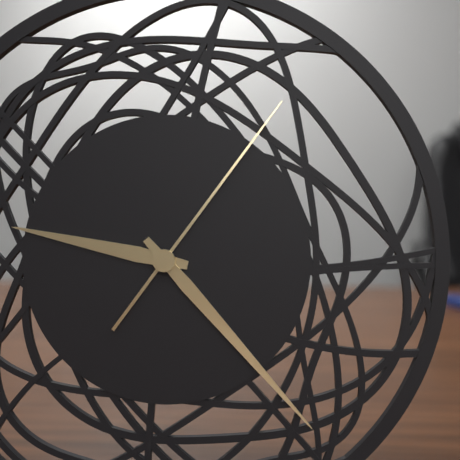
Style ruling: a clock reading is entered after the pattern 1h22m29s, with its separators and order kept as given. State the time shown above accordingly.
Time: 9h23m06s
